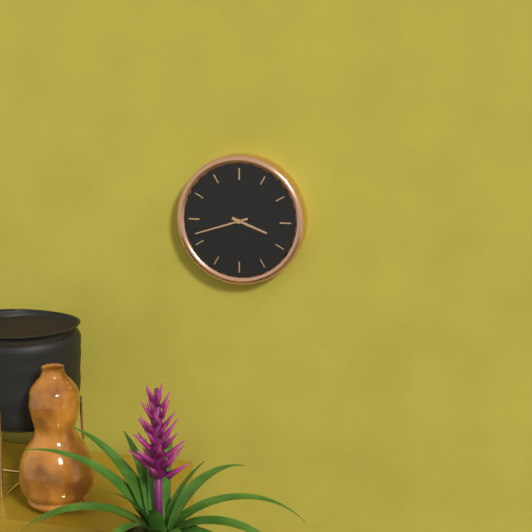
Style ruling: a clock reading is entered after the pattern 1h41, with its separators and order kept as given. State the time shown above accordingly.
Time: 3h42
